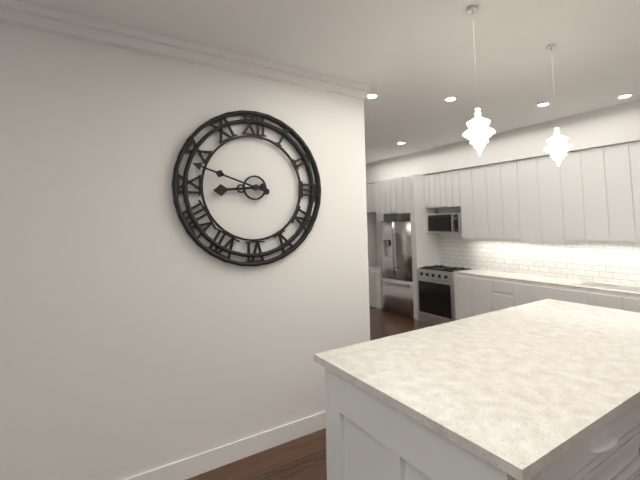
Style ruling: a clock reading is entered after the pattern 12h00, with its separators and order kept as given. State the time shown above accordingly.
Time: 8h48
